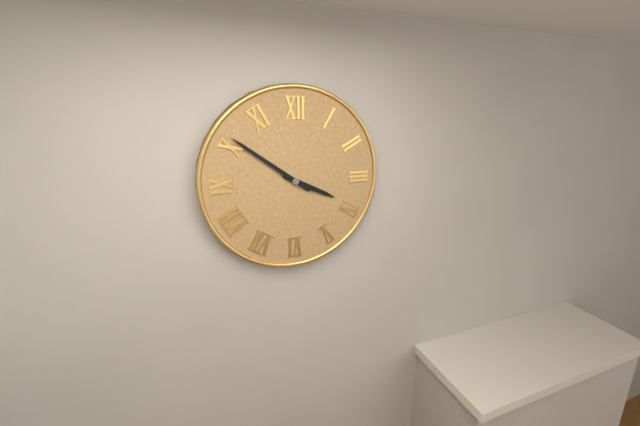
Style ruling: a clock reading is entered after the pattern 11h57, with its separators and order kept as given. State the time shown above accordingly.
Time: 3h51
